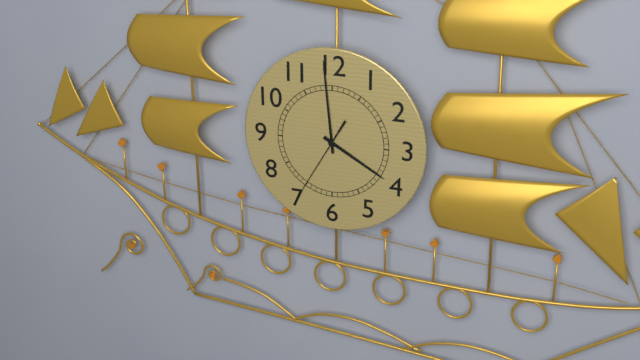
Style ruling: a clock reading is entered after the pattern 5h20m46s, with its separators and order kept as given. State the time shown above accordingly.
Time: 3h59m35s
